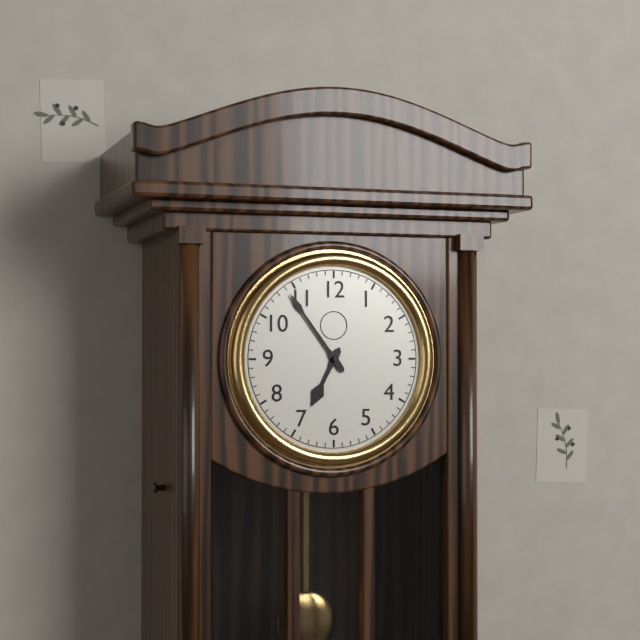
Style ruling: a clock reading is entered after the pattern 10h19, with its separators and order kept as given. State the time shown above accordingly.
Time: 6h54
